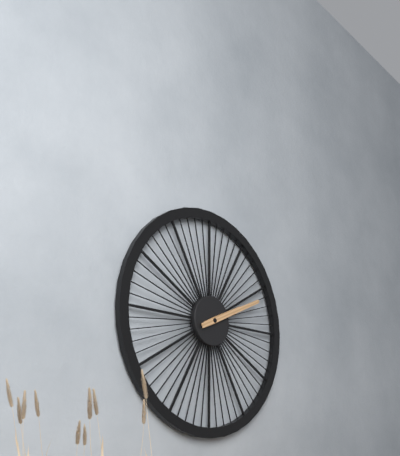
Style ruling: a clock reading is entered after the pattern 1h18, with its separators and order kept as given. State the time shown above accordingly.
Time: 2h11
